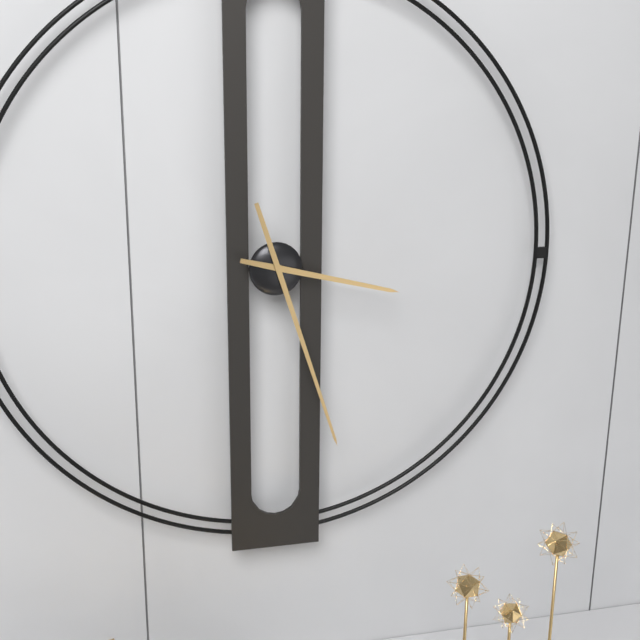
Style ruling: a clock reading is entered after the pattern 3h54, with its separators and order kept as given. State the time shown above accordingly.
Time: 3h27
